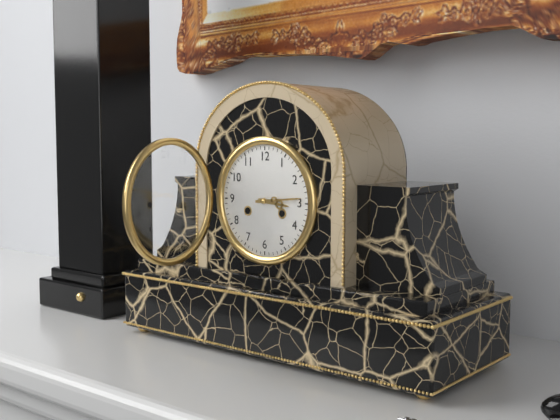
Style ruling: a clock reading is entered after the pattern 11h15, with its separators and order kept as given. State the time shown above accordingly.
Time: 3h14
